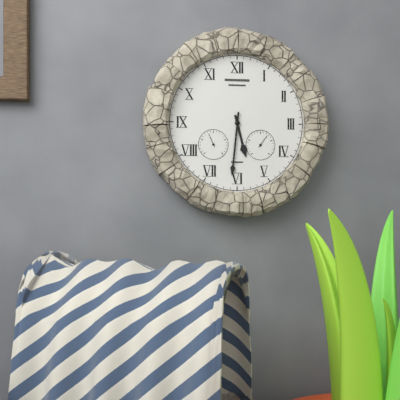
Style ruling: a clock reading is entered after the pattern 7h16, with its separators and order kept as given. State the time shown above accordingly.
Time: 5h31
